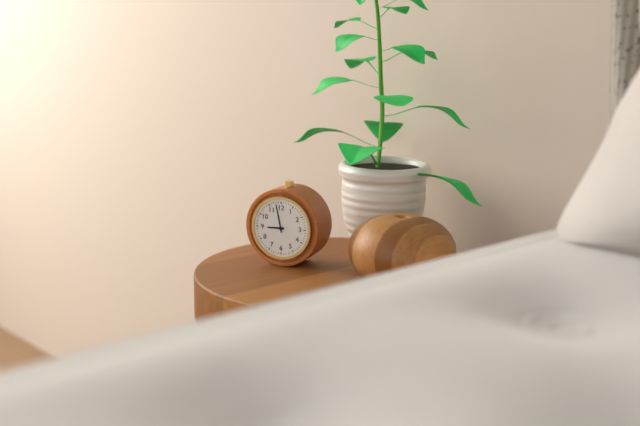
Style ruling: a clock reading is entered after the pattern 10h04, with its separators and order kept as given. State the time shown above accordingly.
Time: 8h58
